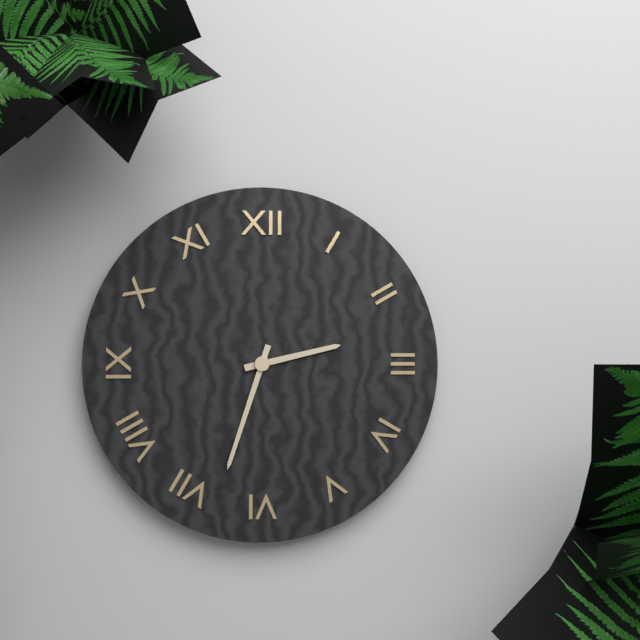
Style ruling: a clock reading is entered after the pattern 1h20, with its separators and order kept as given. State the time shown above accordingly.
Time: 2h33
